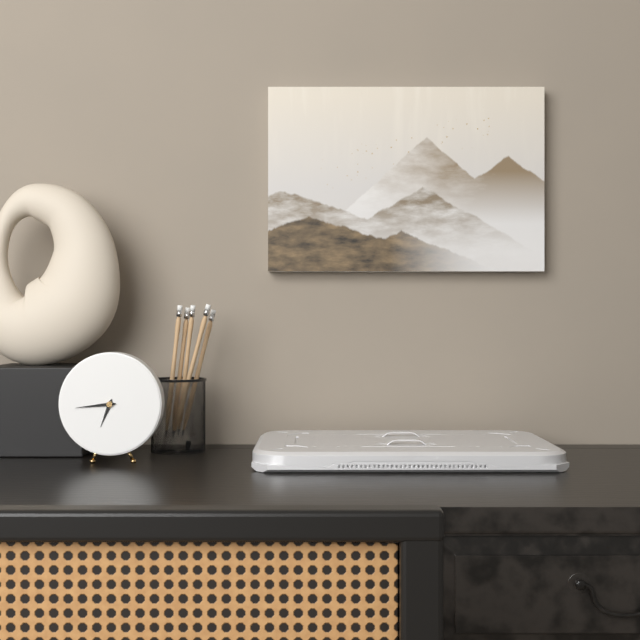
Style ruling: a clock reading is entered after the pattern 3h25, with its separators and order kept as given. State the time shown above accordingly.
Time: 6h44
